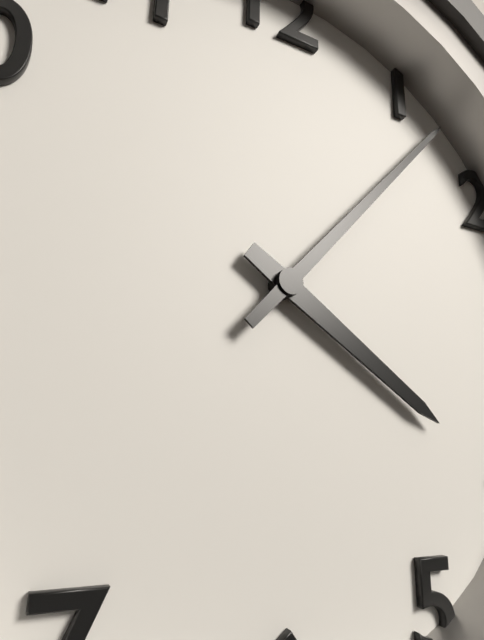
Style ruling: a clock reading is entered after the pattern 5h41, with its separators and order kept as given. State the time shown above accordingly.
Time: 4h07
